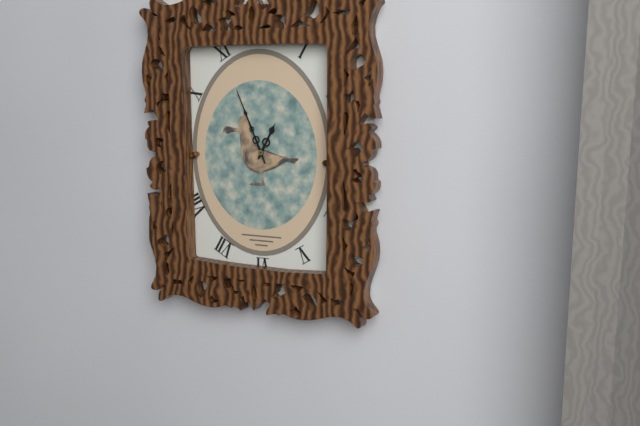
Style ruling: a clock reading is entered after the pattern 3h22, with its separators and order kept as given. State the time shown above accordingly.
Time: 12h56
